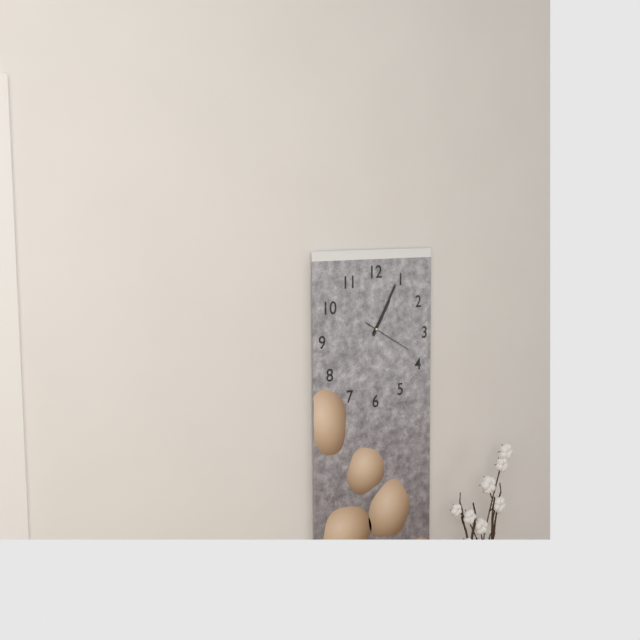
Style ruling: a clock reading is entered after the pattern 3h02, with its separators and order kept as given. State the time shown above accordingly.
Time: 1h05
